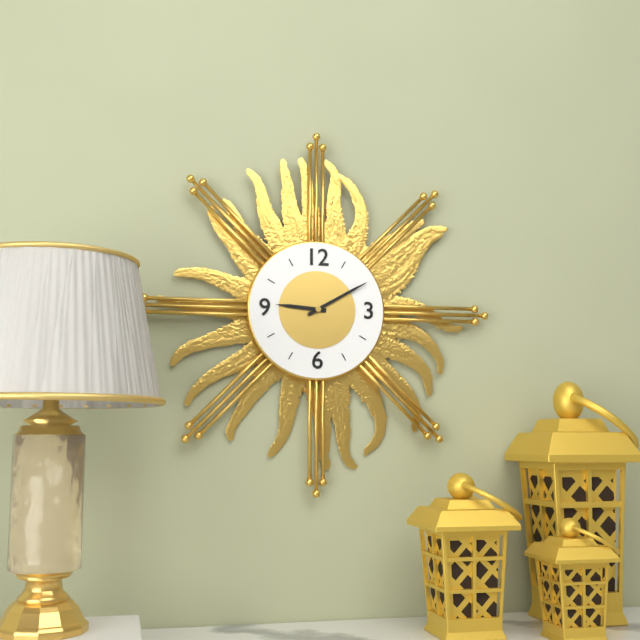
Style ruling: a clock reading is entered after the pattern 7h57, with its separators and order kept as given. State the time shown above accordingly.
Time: 9h10
